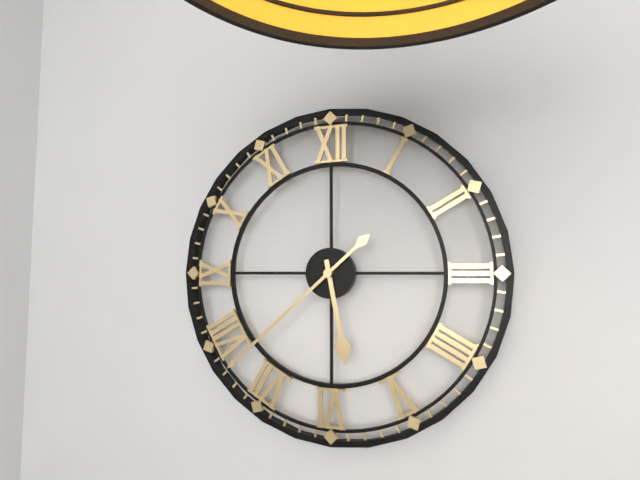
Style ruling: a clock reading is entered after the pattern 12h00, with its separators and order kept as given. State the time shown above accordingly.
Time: 5h38
